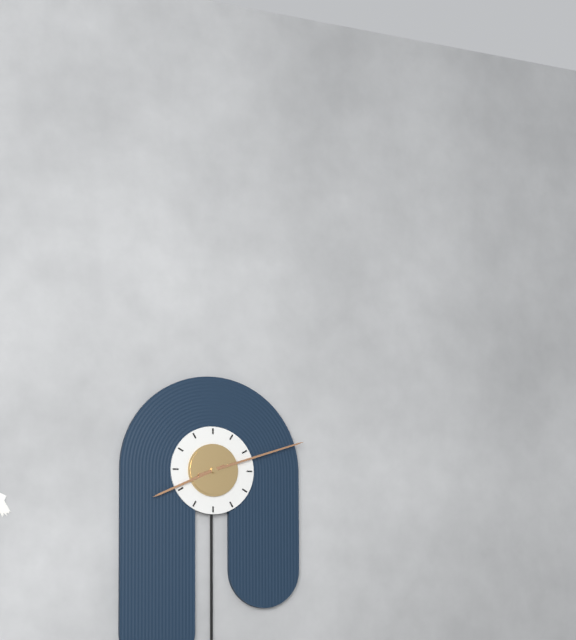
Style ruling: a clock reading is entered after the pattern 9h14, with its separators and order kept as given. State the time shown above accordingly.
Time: 8h12
